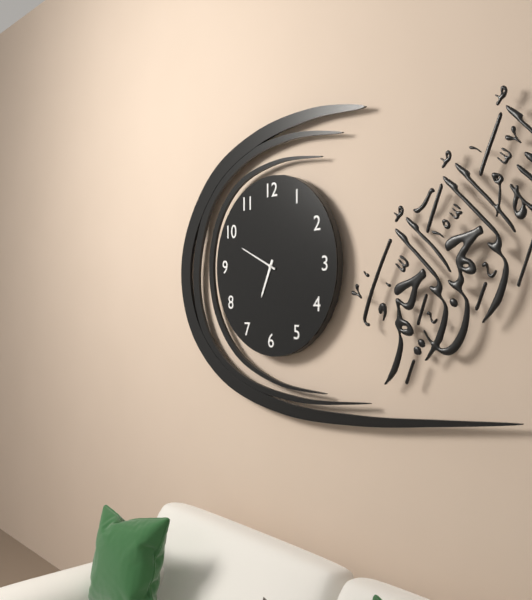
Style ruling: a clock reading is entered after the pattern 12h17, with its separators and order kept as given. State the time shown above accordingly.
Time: 6h49
